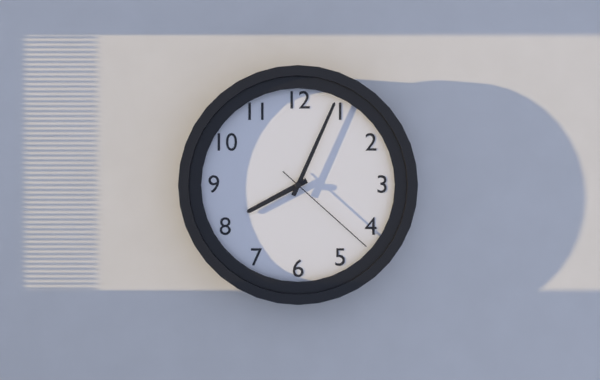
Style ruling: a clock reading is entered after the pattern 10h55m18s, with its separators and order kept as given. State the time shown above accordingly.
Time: 8h04m22s
